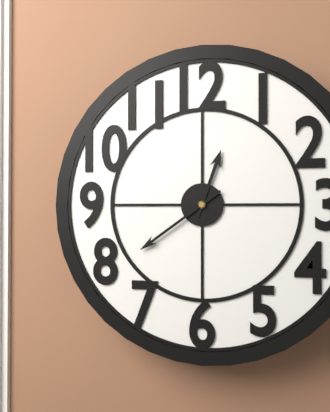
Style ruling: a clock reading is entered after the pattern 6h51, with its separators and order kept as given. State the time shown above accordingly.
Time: 12h39
